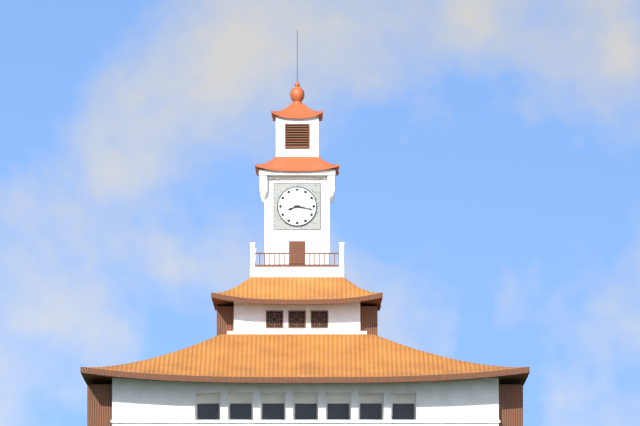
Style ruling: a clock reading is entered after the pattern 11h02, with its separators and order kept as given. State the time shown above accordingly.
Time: 8h17
